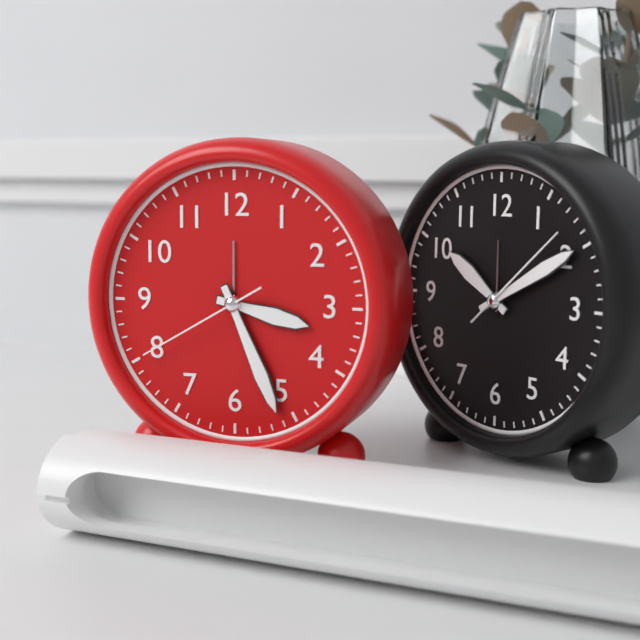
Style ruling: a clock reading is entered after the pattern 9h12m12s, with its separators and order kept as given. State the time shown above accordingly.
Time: 3h26m40s
